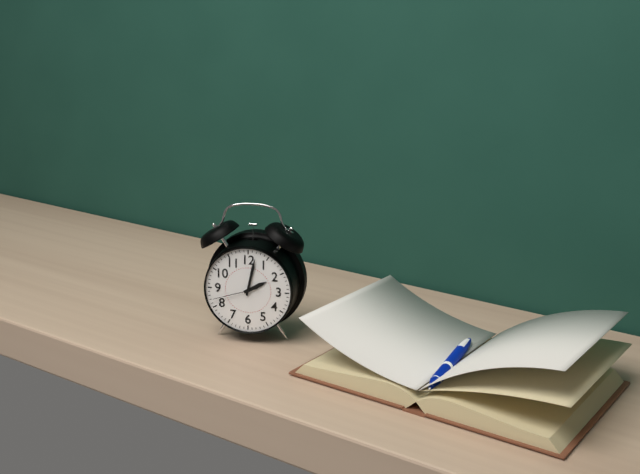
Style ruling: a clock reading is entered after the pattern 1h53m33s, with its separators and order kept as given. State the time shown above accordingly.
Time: 2h02m42s
